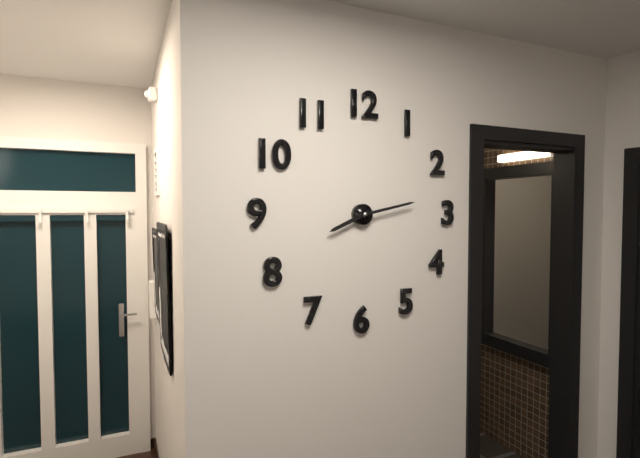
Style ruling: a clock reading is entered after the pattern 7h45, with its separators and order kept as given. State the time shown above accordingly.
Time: 8h13
